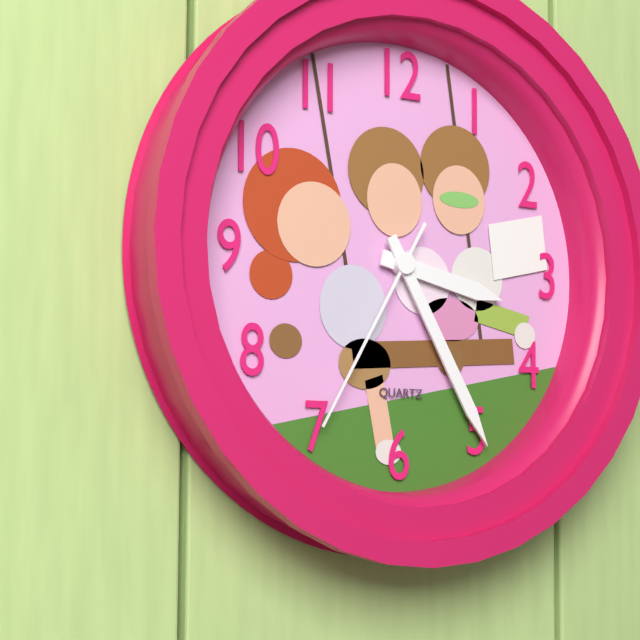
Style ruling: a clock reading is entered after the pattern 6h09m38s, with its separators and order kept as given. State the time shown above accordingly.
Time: 3h25m35s
